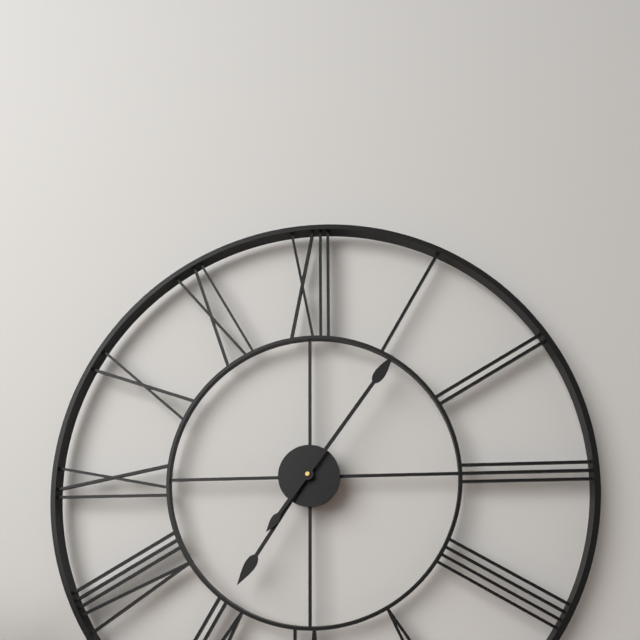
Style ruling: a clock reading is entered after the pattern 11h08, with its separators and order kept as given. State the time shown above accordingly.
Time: 7h06
